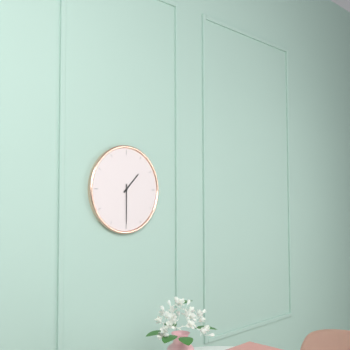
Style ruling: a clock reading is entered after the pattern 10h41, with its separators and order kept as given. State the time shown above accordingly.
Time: 1h30
